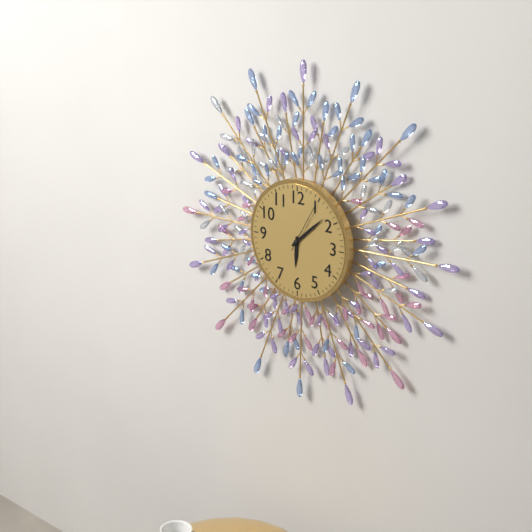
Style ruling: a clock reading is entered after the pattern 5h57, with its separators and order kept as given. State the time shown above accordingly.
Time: 6h08
